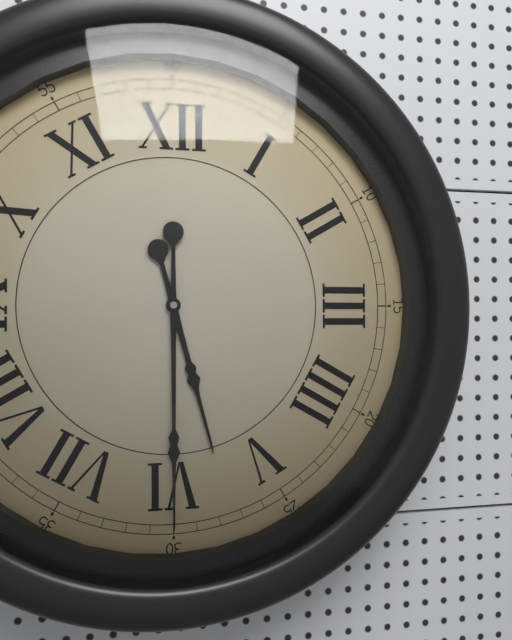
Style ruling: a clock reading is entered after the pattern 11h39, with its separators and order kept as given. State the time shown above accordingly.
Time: 5h30
